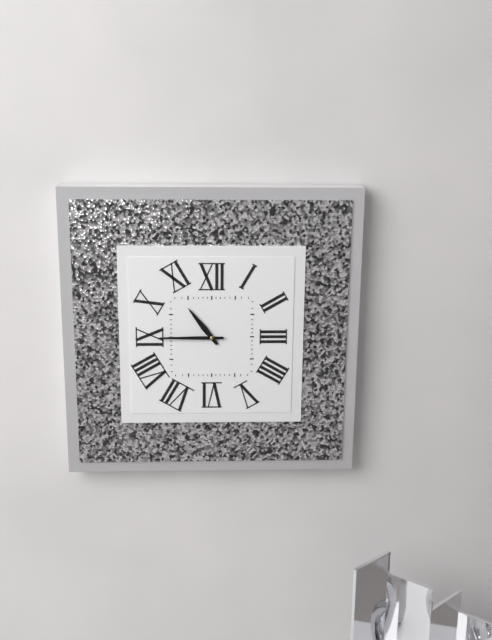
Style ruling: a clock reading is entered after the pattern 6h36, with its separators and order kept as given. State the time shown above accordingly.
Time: 10h45
